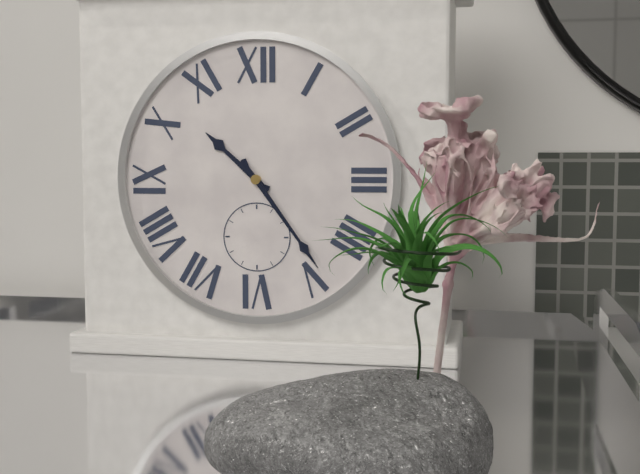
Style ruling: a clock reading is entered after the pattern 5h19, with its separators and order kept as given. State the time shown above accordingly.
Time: 10h24
